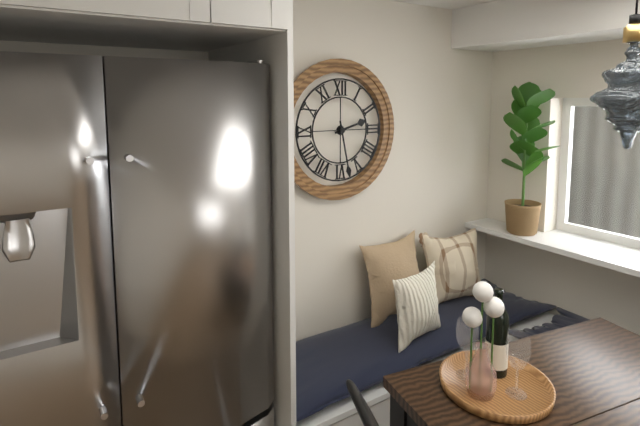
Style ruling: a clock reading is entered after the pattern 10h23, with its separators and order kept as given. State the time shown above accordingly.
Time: 2h28
